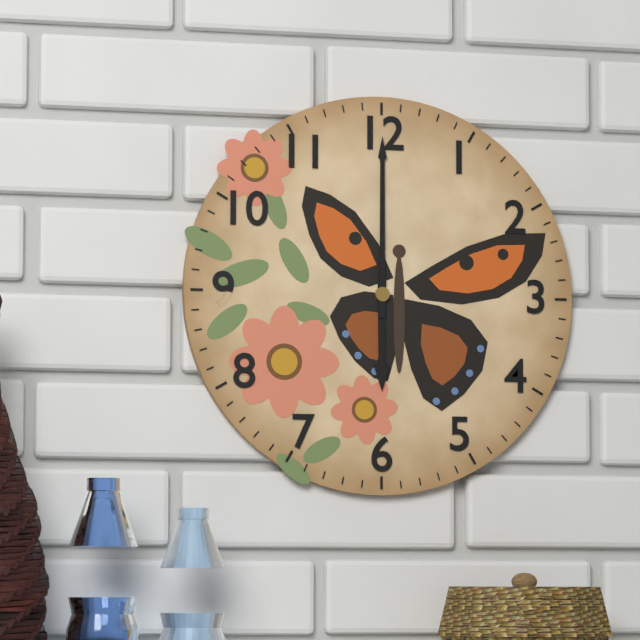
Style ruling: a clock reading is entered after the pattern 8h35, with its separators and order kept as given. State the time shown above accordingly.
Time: 6h00
